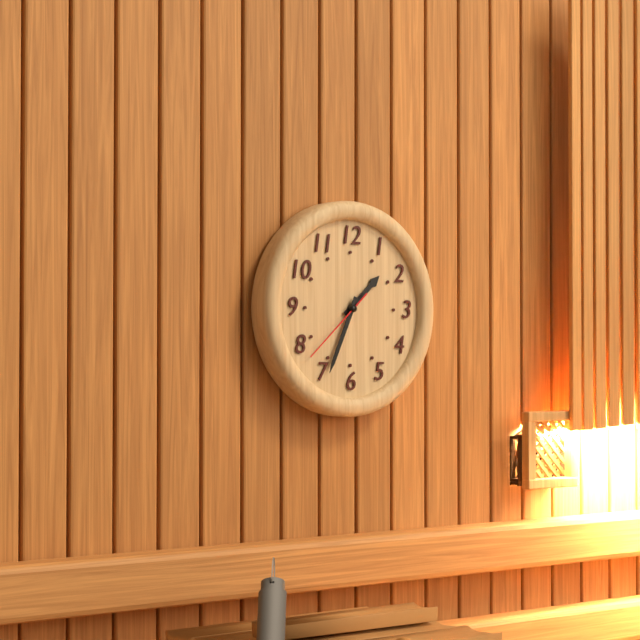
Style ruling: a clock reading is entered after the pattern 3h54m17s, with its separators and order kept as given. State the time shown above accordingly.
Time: 1h34m38s
